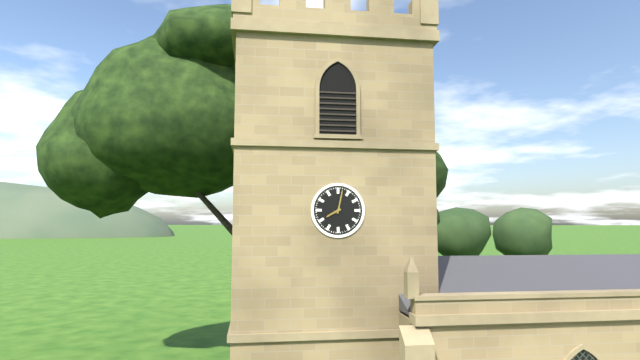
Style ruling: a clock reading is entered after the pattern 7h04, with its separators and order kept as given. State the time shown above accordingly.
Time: 8h02
